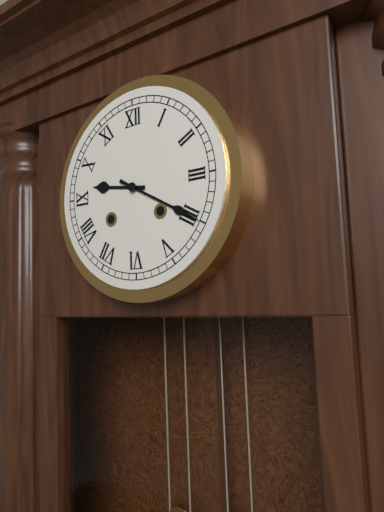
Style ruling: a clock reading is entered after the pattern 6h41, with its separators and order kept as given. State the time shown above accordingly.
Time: 9h20
